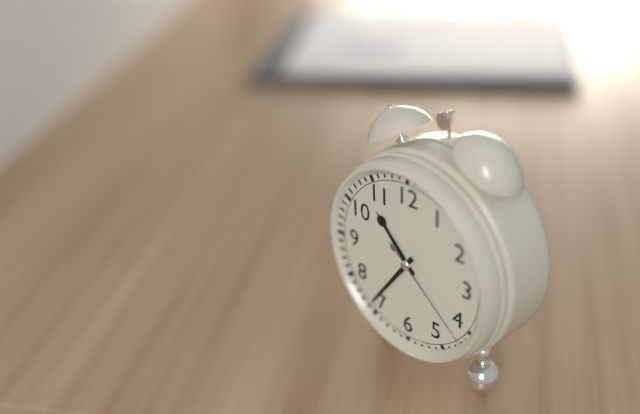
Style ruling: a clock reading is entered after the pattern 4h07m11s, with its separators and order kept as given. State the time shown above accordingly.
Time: 10h36m22s
